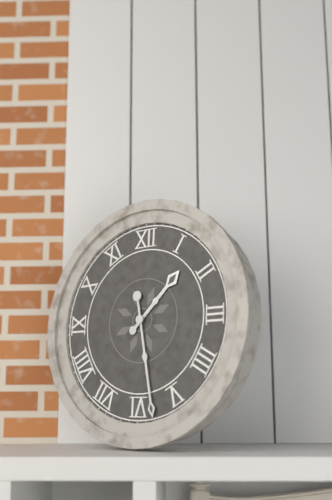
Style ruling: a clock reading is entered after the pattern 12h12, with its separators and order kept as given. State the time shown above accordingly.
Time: 1h28
